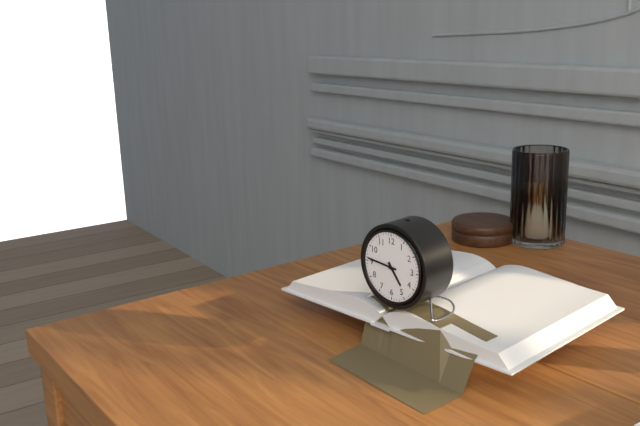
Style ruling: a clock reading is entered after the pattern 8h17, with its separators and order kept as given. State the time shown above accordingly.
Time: 4h46
